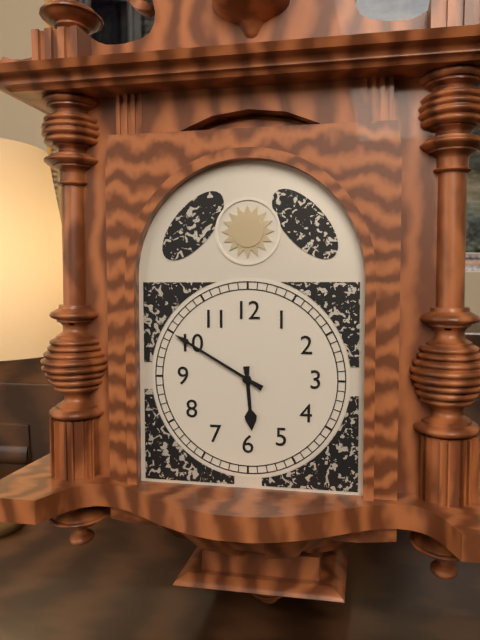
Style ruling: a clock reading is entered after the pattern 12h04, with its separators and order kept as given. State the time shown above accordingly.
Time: 5h50
